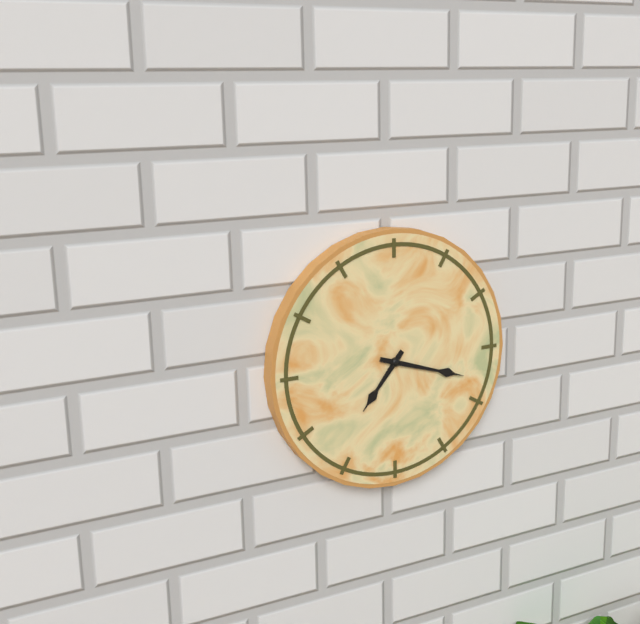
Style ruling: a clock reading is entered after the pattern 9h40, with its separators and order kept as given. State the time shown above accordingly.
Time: 7h18
